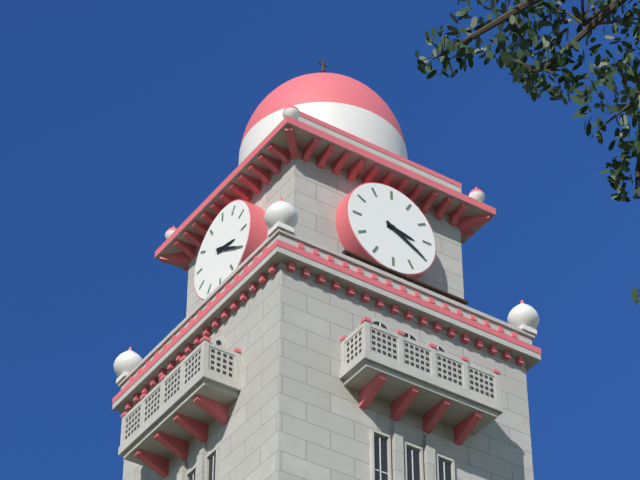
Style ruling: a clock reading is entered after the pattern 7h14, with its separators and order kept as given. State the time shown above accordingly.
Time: 3h20
